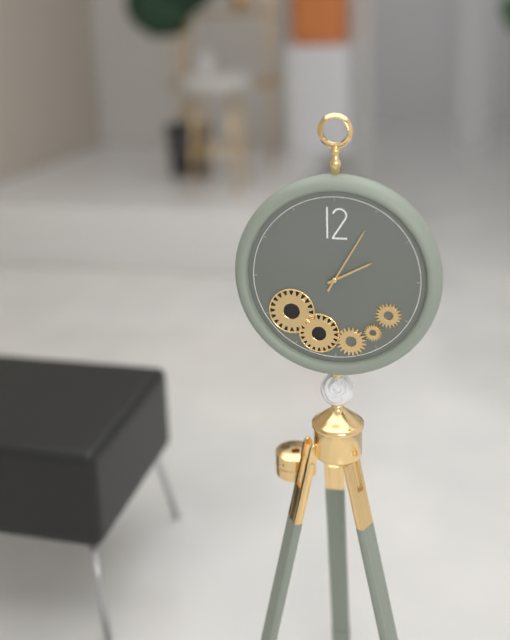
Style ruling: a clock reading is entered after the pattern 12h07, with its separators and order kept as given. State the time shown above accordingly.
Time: 2h05
